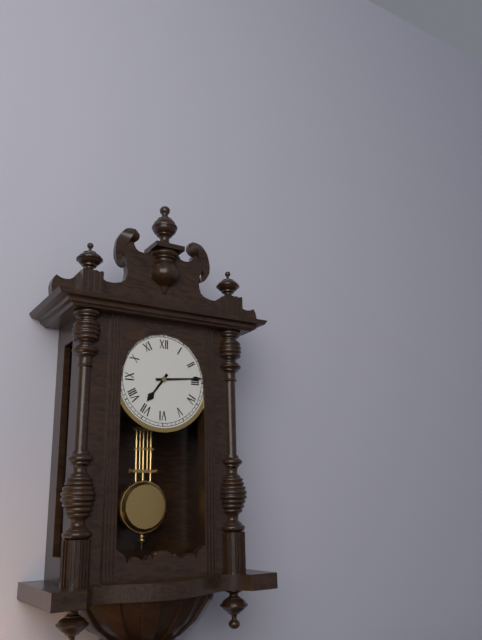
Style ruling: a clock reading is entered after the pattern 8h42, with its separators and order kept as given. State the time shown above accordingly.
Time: 7h14
